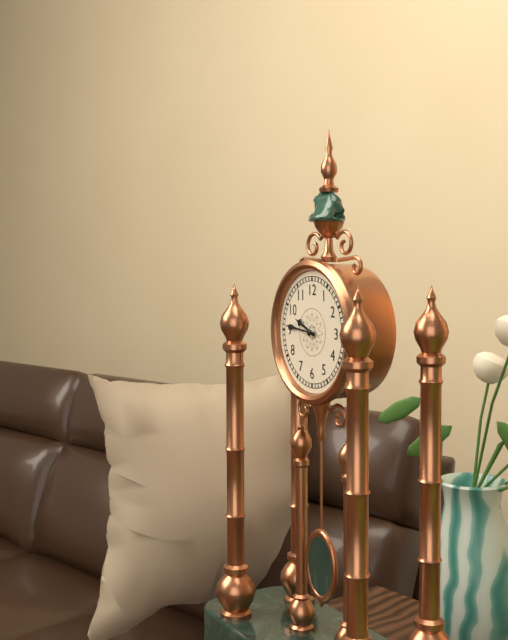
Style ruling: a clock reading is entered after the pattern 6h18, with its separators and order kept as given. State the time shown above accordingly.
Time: 9h46
